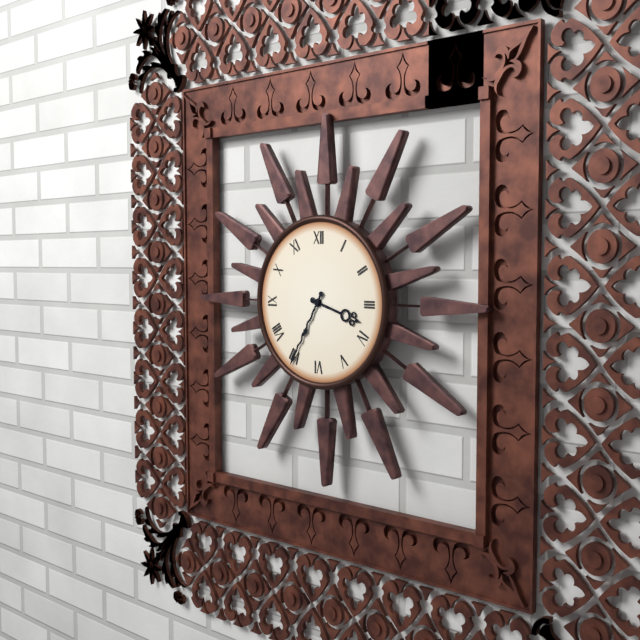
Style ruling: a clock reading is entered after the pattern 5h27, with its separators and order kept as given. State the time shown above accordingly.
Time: 3h35
